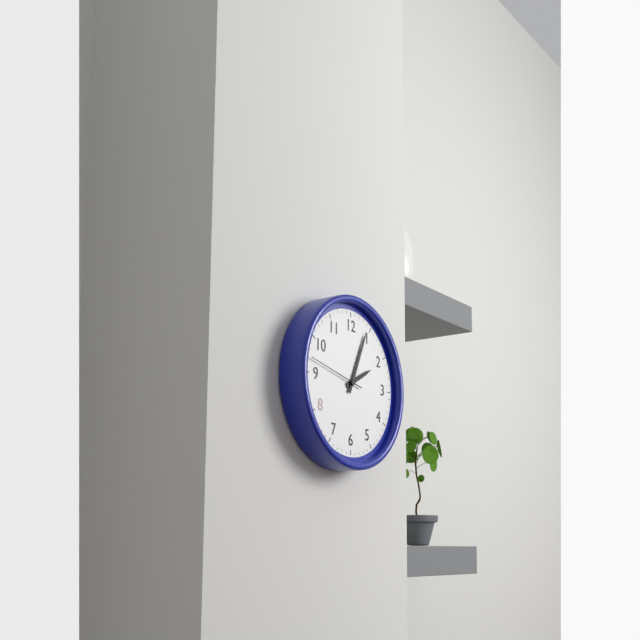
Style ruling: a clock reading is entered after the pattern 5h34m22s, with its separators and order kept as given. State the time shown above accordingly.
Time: 2h04m47s
